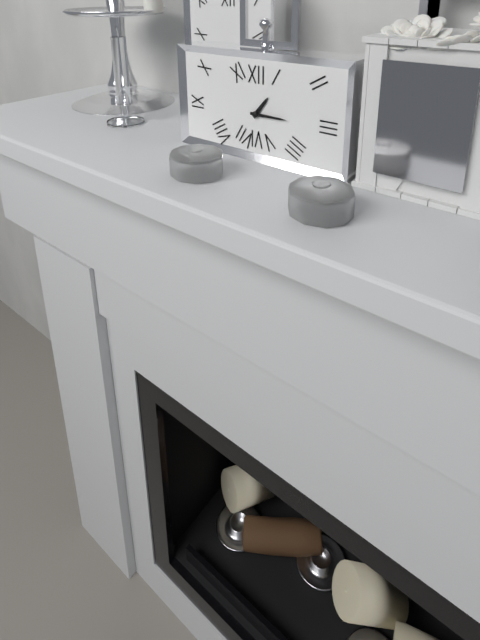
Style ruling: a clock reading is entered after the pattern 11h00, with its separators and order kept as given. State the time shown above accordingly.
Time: 1h15
